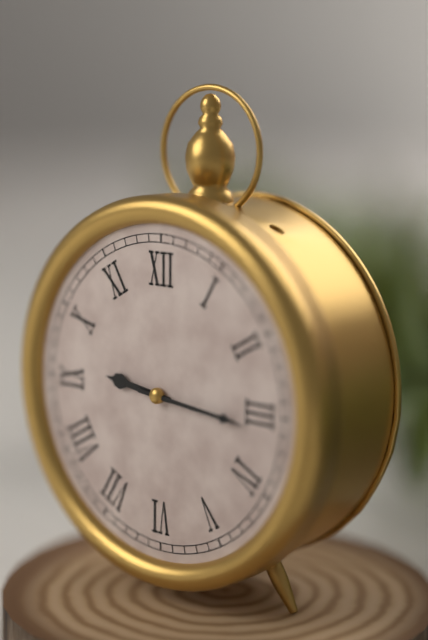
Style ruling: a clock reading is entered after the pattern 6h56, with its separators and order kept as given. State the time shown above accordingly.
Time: 9h16
